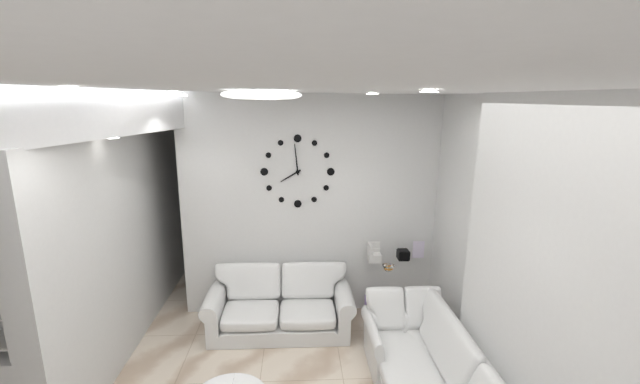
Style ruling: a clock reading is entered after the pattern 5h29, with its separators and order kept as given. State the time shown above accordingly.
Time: 7h59
